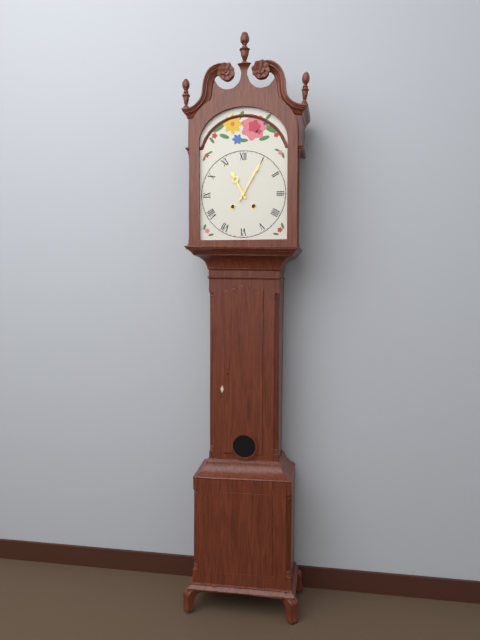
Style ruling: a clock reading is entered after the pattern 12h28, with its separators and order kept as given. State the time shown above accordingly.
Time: 11h05
